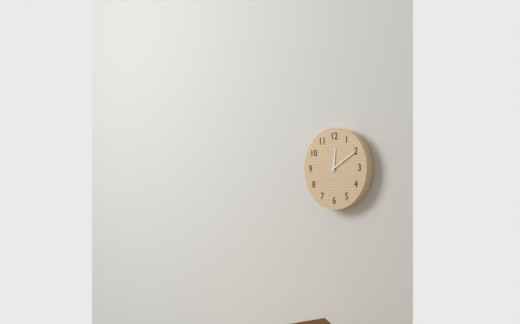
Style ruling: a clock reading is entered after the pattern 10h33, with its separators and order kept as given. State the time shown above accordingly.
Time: 12h10
